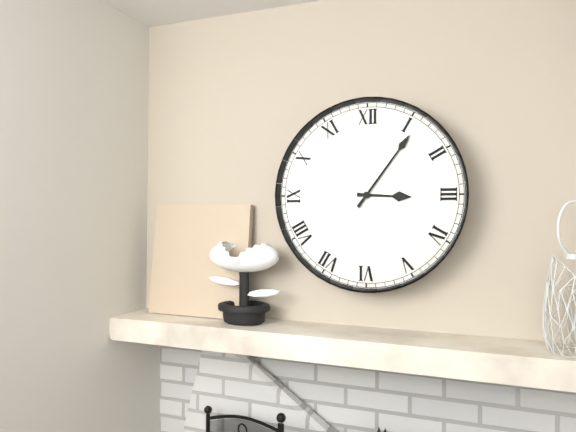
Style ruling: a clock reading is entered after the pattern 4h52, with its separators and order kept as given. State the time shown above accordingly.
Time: 3h06
